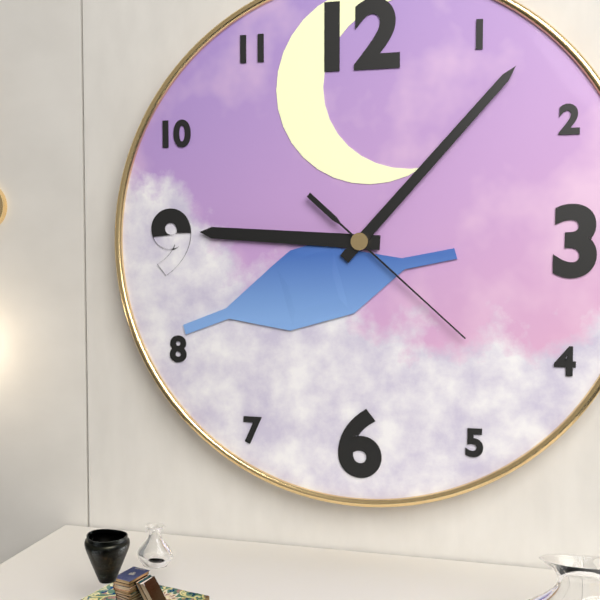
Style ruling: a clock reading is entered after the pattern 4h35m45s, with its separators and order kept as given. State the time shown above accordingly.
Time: 9h07m22s
